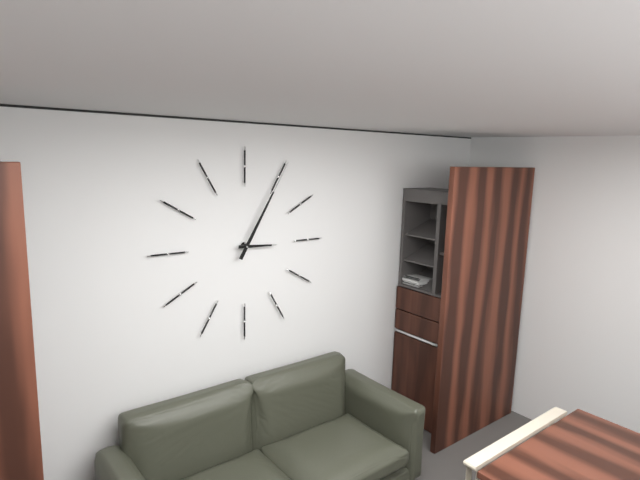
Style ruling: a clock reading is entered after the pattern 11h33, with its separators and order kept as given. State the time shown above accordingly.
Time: 3h05
